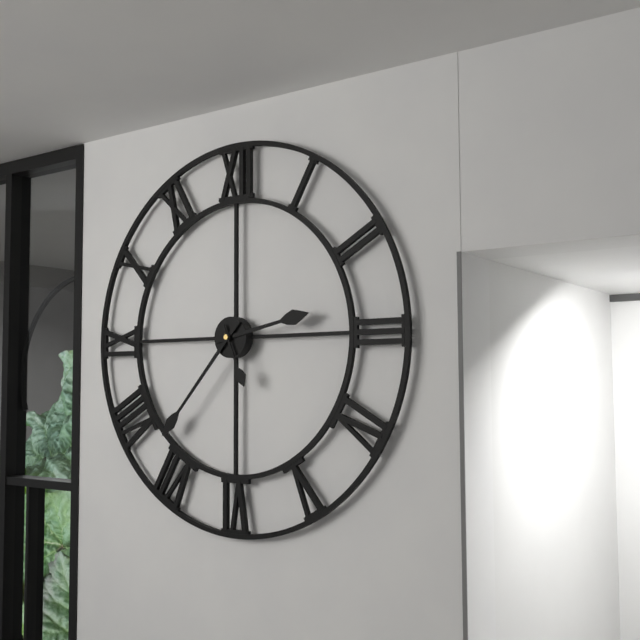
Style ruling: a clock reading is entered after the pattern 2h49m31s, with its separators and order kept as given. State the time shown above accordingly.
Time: 2h37m26s
